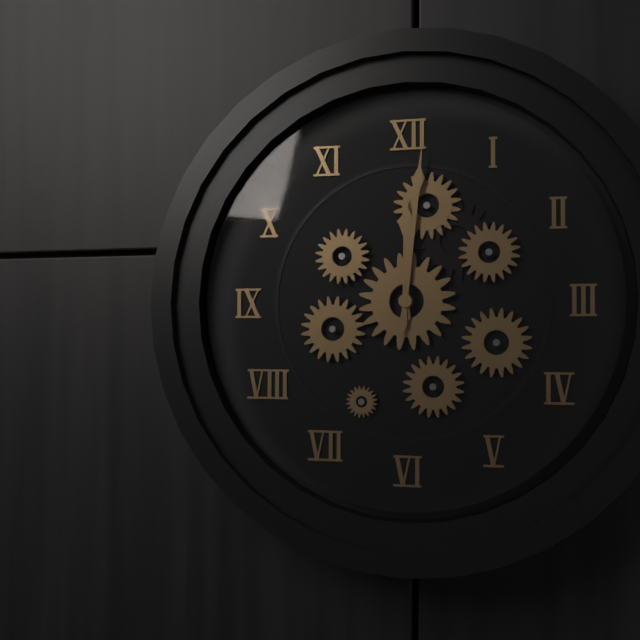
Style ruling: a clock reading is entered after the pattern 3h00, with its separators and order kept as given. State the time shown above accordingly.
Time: 12h01
